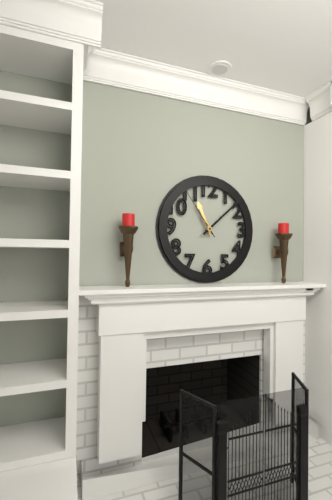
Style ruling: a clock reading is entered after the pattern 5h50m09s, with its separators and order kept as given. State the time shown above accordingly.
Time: 11h08m54s
